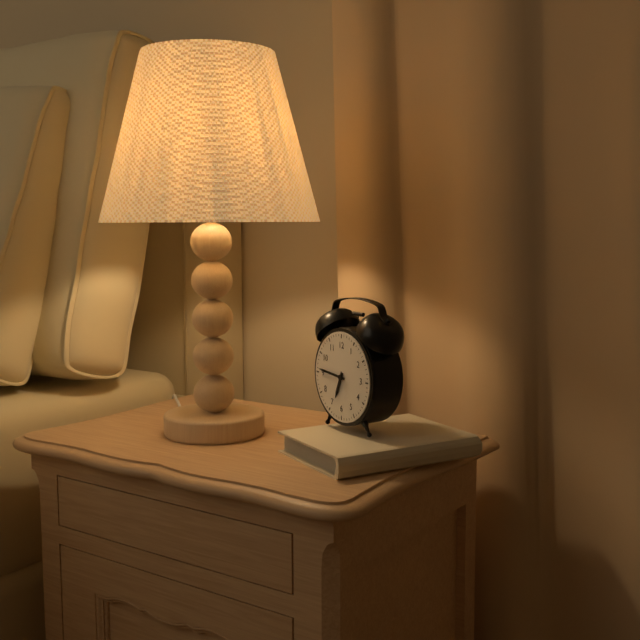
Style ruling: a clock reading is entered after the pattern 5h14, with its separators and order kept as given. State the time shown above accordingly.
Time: 6h46
